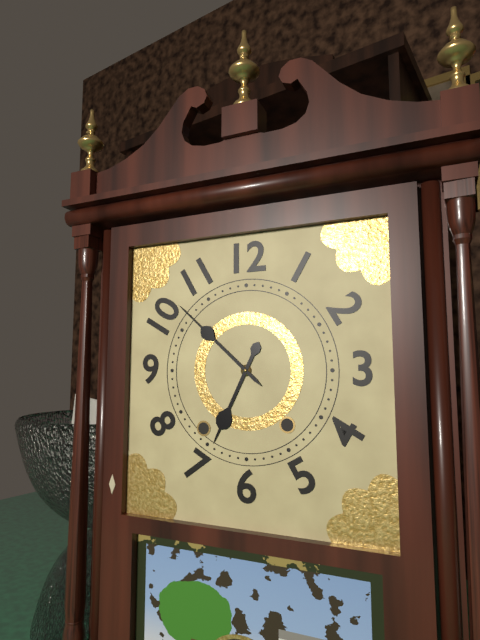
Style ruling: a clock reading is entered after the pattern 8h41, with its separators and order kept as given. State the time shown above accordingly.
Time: 6h52
